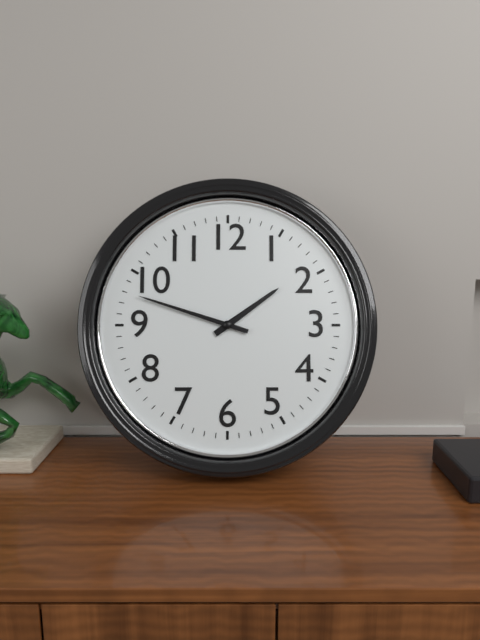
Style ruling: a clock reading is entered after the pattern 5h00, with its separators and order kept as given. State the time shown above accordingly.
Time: 1h48
